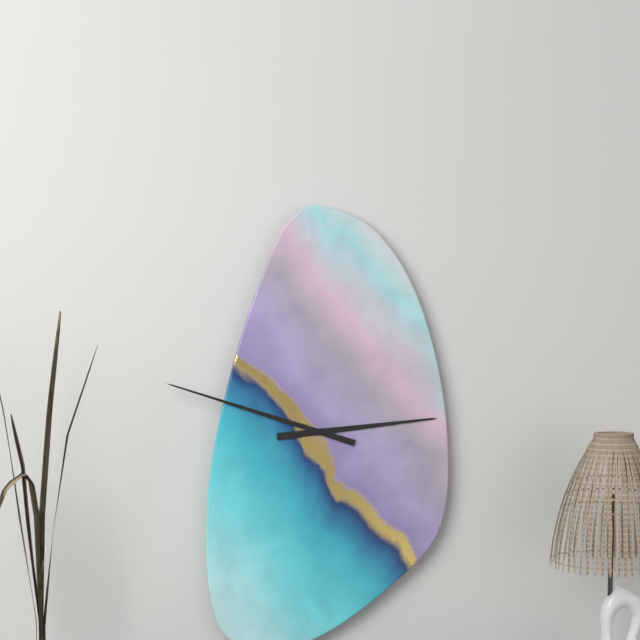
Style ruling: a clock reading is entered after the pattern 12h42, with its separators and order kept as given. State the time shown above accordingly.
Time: 2h48
